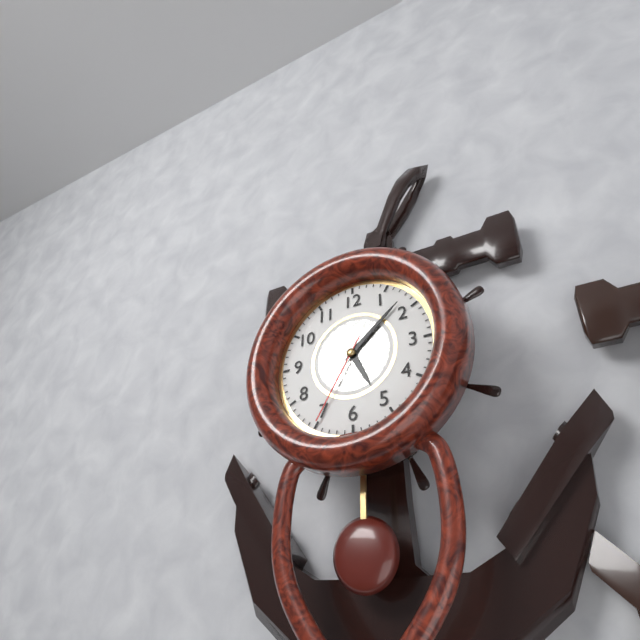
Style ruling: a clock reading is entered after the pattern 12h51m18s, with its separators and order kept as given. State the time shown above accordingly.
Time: 5h08m35s
